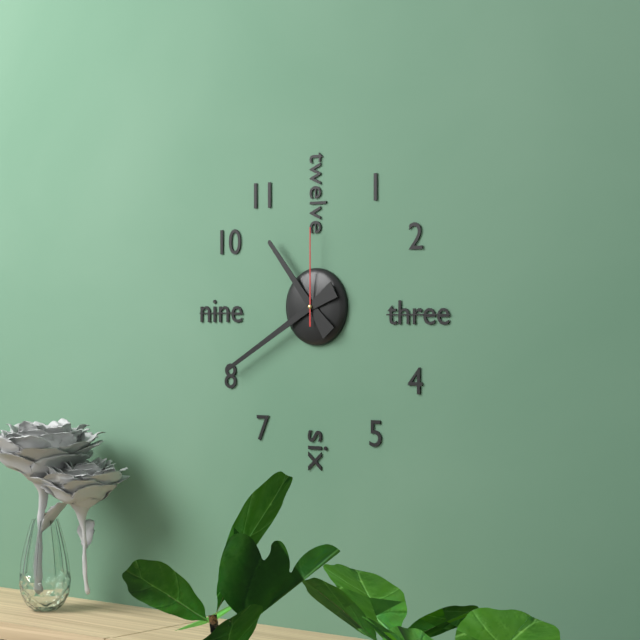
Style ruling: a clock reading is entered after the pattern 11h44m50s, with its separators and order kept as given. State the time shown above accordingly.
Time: 10h40m00s
